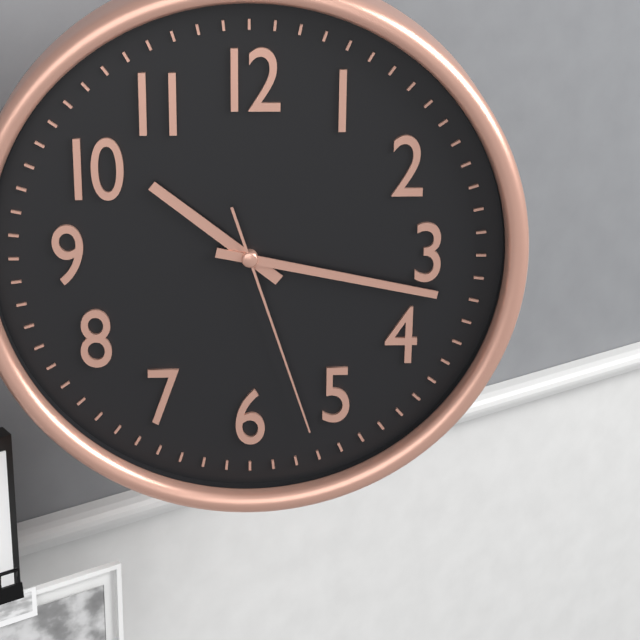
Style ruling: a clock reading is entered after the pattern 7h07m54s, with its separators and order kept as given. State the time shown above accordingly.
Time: 10h17m27s
